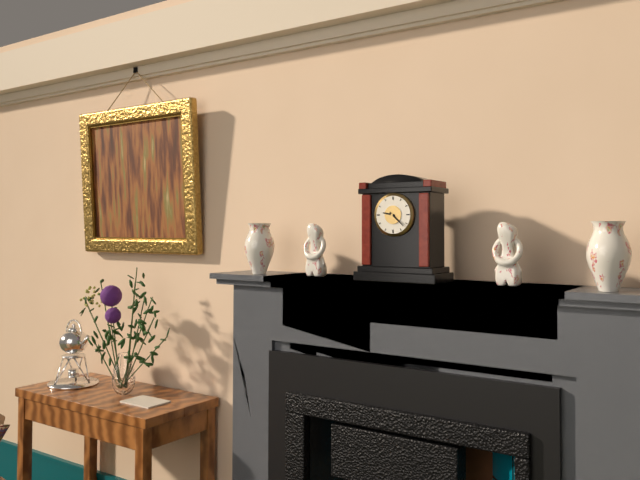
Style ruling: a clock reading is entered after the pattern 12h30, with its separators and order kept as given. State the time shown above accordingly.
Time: 9h22
